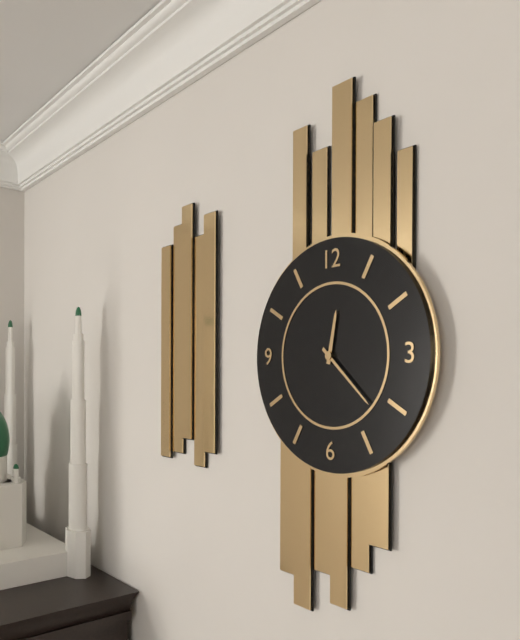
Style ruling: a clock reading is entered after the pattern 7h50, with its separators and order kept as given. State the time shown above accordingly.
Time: 12h22
